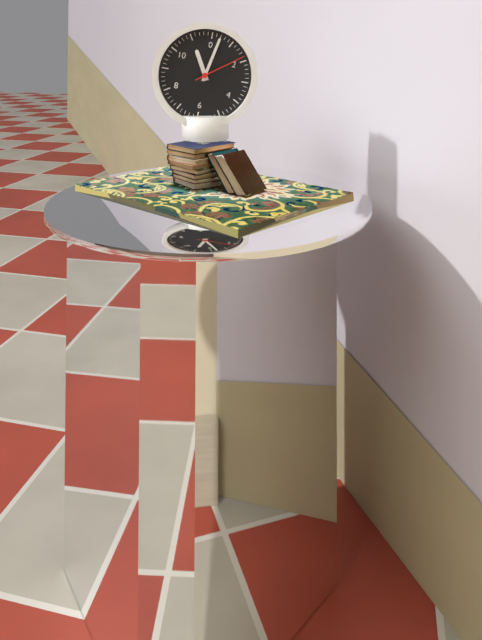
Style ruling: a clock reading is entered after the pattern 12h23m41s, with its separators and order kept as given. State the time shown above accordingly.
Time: 11h02m09s
